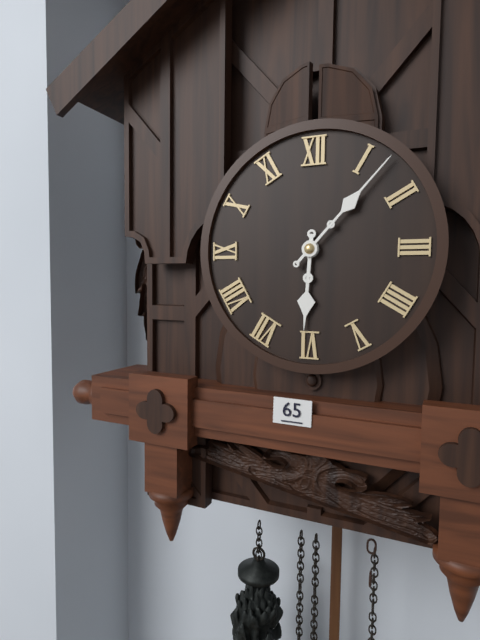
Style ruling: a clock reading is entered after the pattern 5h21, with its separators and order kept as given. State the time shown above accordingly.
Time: 6h07
